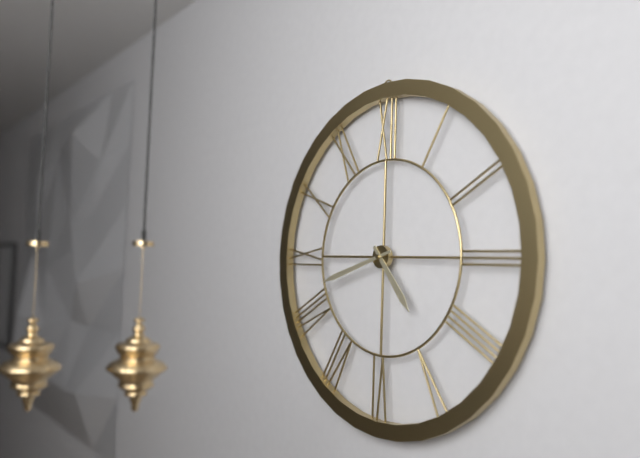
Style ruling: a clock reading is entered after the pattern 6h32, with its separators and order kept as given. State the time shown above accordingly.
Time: 4h42
